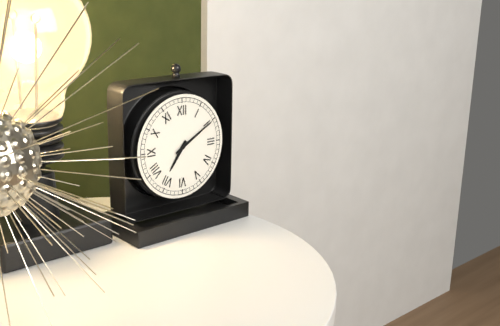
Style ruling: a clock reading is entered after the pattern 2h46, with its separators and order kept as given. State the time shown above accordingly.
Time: 7h10
